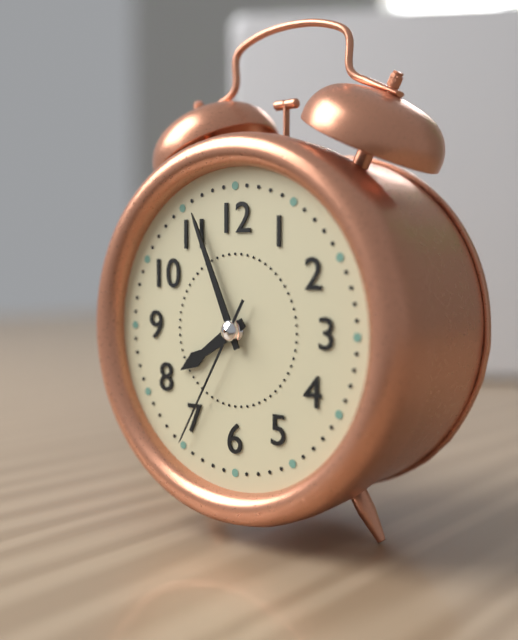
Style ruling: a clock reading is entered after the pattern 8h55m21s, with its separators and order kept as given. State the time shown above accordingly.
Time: 7h56m35s
